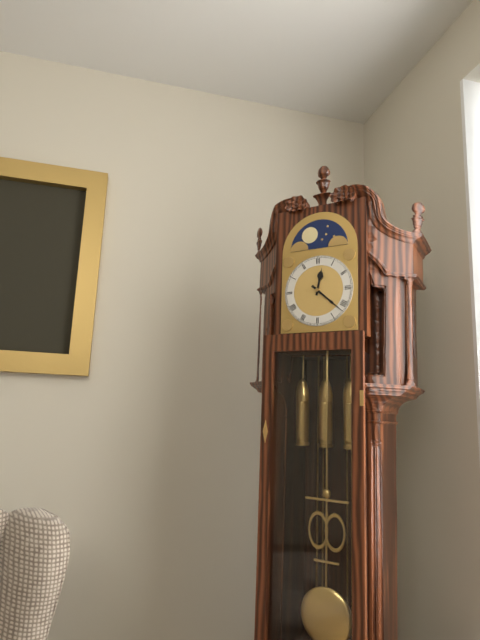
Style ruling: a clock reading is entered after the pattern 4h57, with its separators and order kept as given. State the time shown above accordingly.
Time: 12h22
